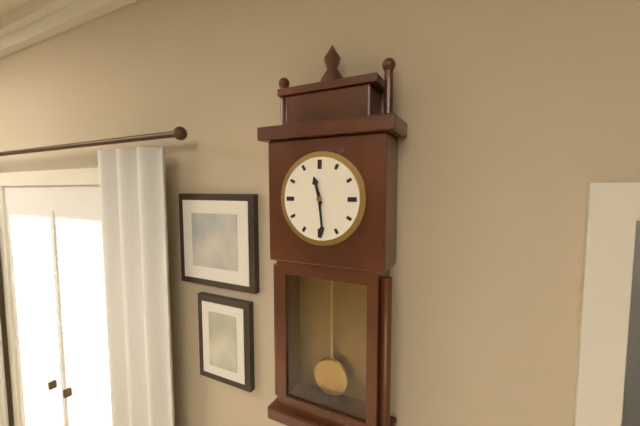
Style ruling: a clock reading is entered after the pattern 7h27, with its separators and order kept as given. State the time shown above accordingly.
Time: 11h29
